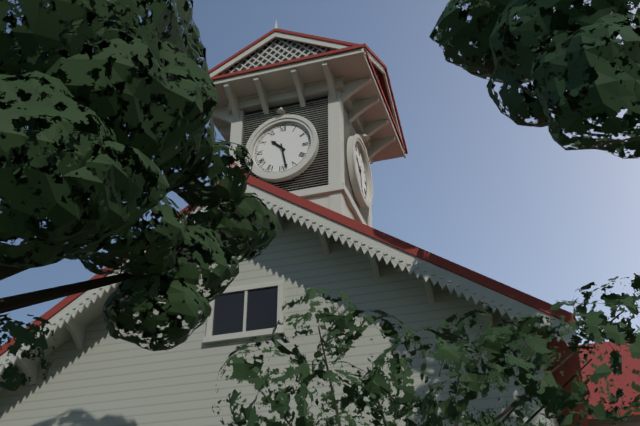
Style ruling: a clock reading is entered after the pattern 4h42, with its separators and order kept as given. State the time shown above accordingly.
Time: 10h28
